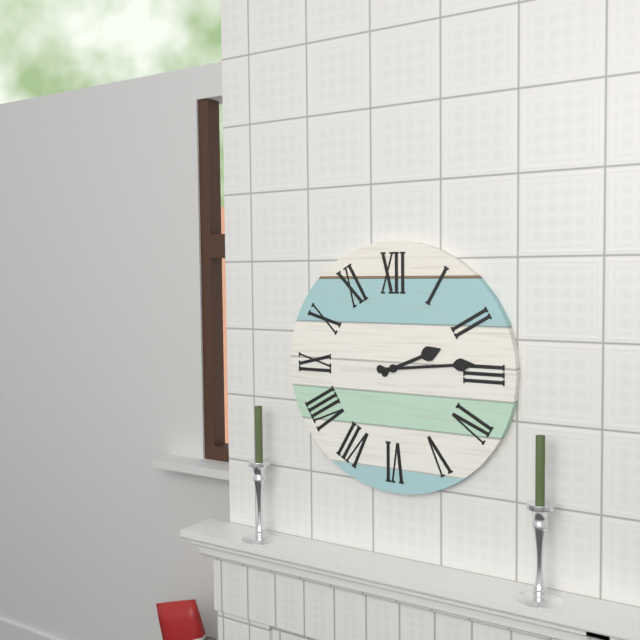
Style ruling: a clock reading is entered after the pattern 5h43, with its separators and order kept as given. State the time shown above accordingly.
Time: 2h14
